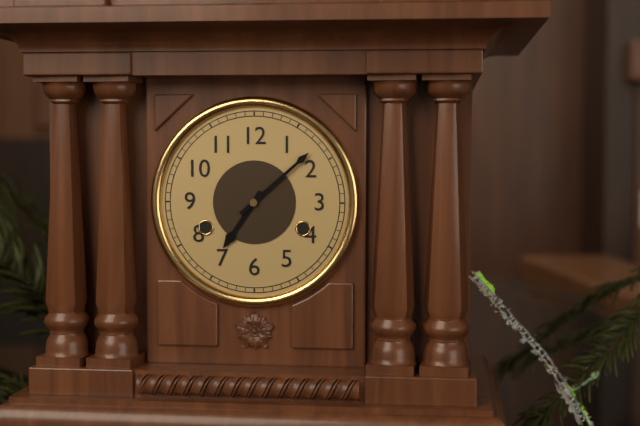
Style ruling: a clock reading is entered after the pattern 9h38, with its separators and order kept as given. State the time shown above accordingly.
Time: 7h08
